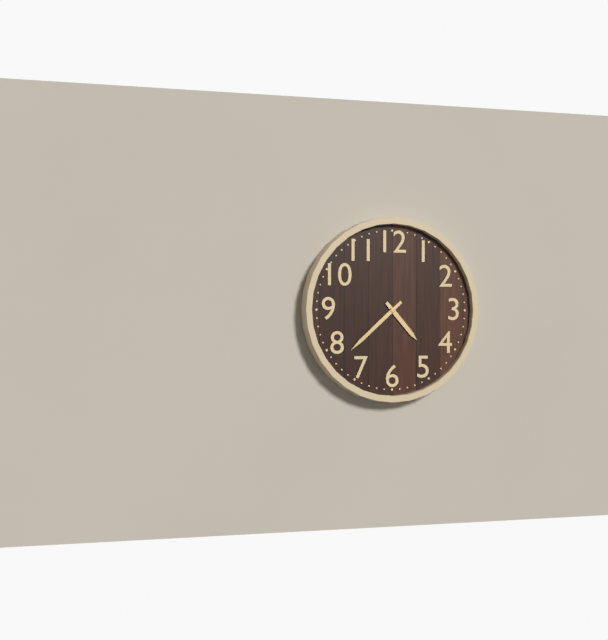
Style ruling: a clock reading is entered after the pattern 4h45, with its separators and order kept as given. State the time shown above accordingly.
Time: 4h38
